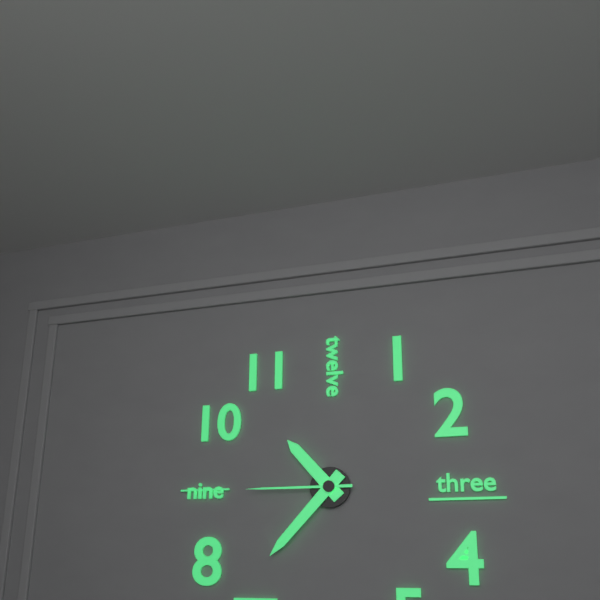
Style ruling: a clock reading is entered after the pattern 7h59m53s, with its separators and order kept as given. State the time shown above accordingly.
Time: 10h37m45s
